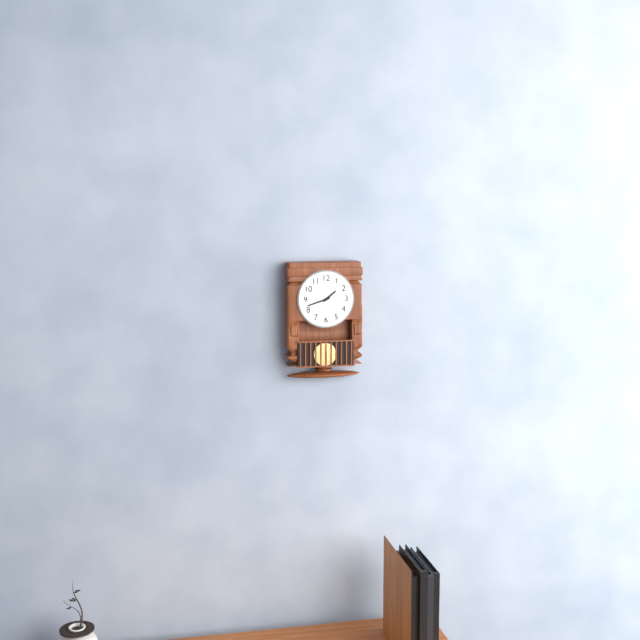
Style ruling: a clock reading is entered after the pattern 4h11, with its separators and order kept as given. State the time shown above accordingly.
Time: 1h42
